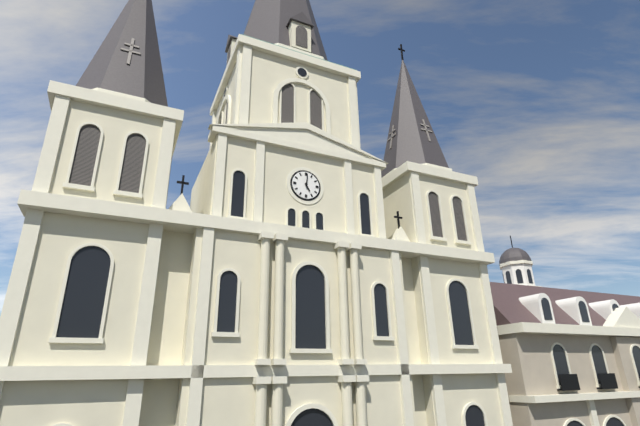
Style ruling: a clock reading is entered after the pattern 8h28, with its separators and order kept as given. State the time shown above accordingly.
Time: 5h01
